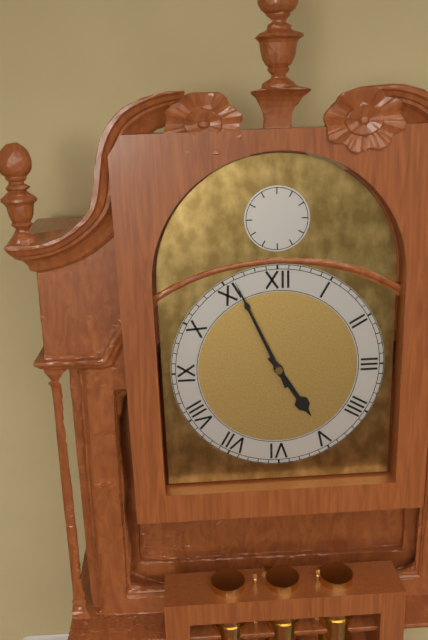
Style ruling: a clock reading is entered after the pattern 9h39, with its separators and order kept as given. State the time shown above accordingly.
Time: 4h56
